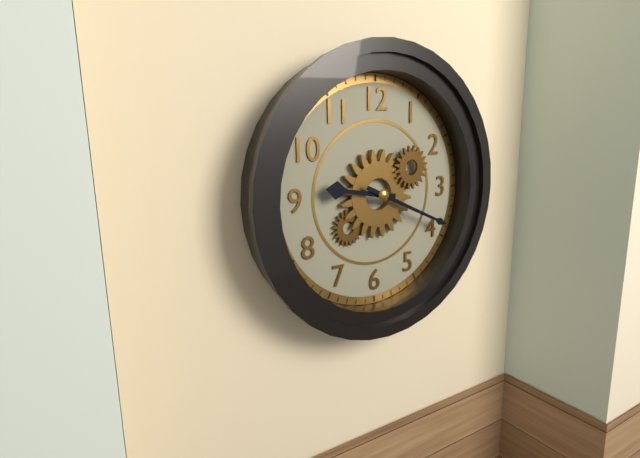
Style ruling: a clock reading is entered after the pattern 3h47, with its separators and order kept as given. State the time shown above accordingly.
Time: 9h19
